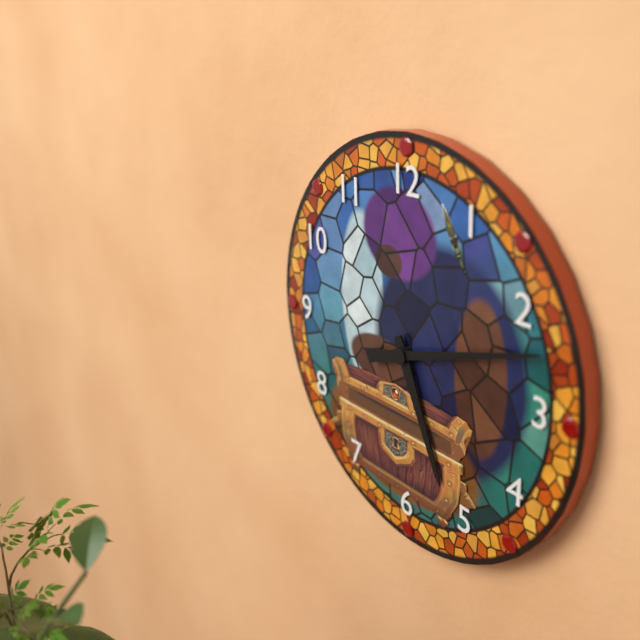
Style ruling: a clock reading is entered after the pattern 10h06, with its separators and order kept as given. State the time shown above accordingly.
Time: 5h12
